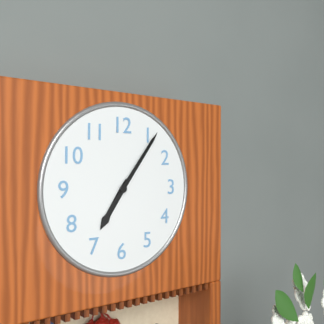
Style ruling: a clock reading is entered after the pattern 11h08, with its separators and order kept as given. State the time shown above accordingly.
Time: 7h06
